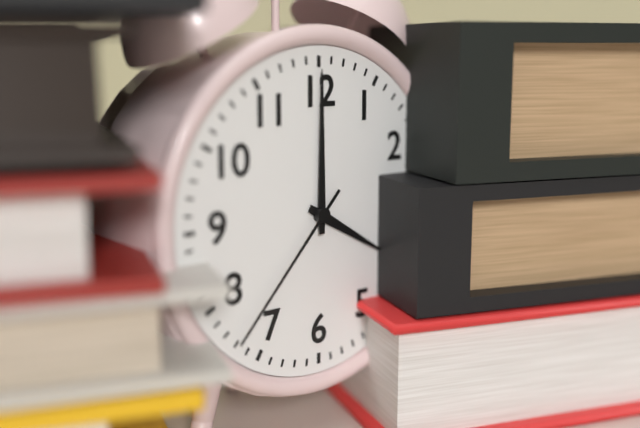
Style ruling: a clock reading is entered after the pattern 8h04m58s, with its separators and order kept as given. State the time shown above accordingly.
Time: 4h00m37s
